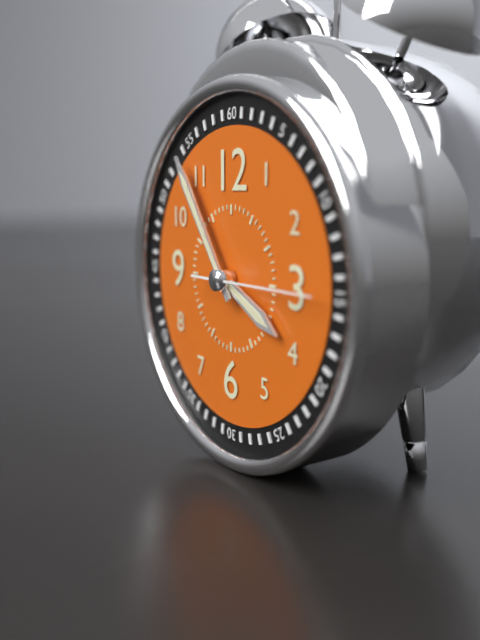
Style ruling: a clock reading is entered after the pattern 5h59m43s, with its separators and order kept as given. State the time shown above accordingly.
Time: 3h54m15s
